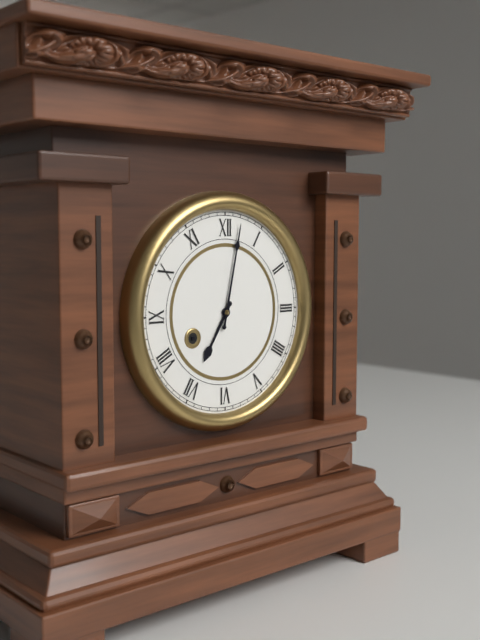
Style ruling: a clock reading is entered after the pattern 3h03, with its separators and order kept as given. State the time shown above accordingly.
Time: 7h02
